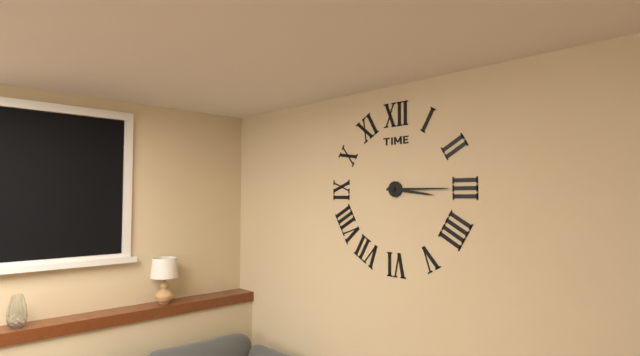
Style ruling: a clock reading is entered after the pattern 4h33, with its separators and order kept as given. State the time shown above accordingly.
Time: 3h15
